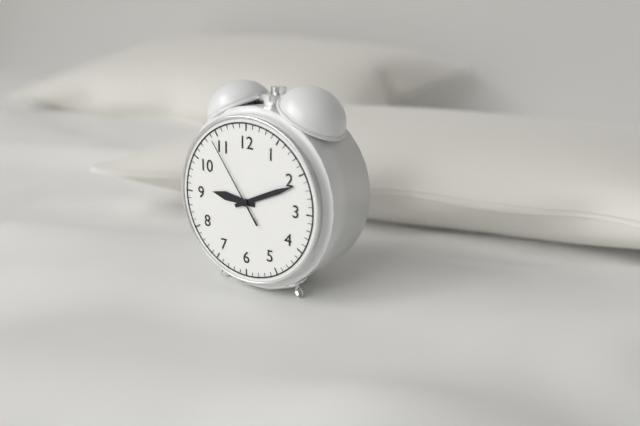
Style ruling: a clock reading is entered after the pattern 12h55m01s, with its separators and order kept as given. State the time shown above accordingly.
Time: 9h11m54s
